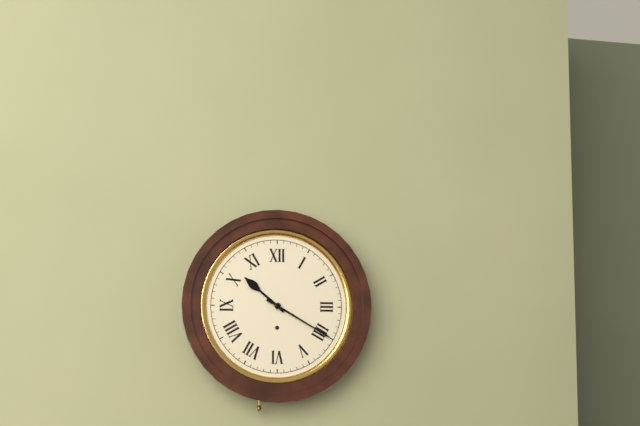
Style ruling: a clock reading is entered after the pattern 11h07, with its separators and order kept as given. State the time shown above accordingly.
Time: 10h20
